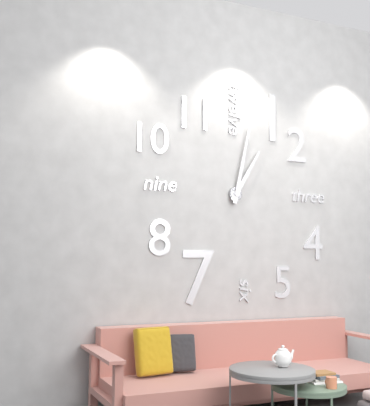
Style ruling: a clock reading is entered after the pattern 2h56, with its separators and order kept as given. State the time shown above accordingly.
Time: 1h02
